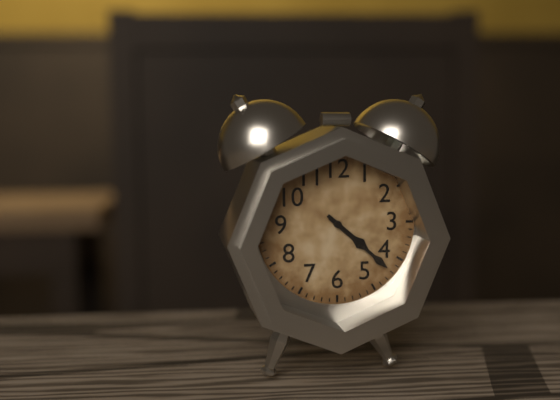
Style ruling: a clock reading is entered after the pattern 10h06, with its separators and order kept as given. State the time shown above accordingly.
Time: 4h22
